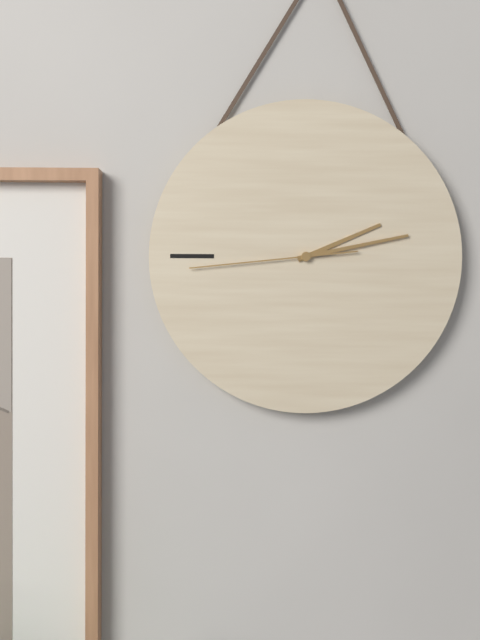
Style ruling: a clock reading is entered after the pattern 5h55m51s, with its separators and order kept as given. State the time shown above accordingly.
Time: 2h13m44s
